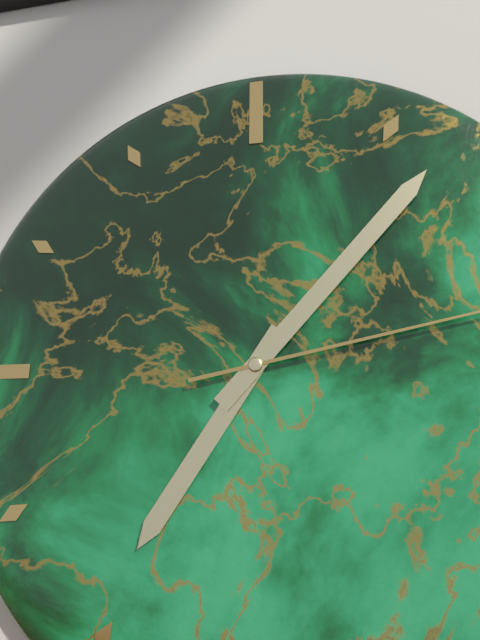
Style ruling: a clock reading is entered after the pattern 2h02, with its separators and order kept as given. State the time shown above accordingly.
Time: 7h07
